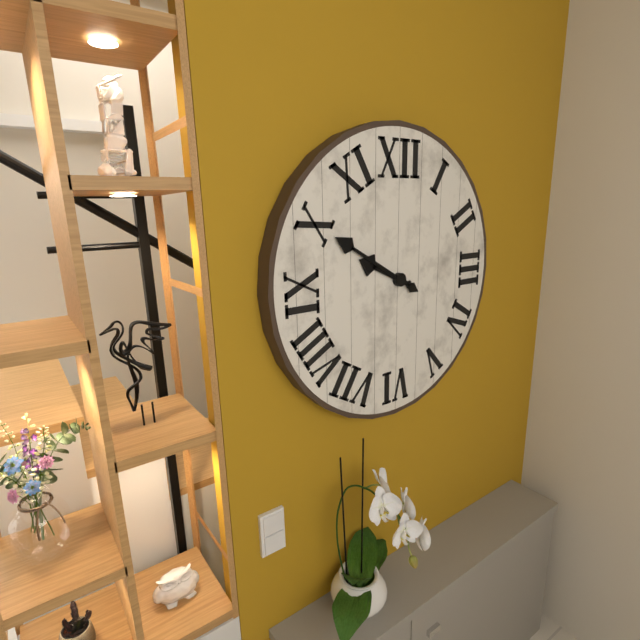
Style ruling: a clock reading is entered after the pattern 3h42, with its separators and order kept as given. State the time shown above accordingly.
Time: 9h50
